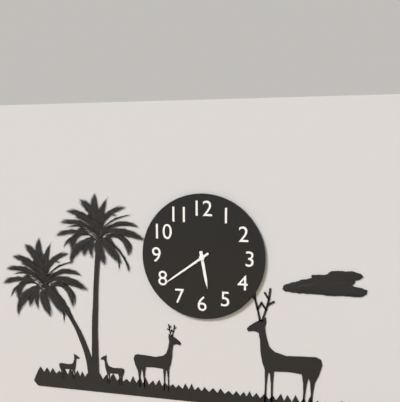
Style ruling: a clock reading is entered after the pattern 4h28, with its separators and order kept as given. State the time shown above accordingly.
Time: 5h39
